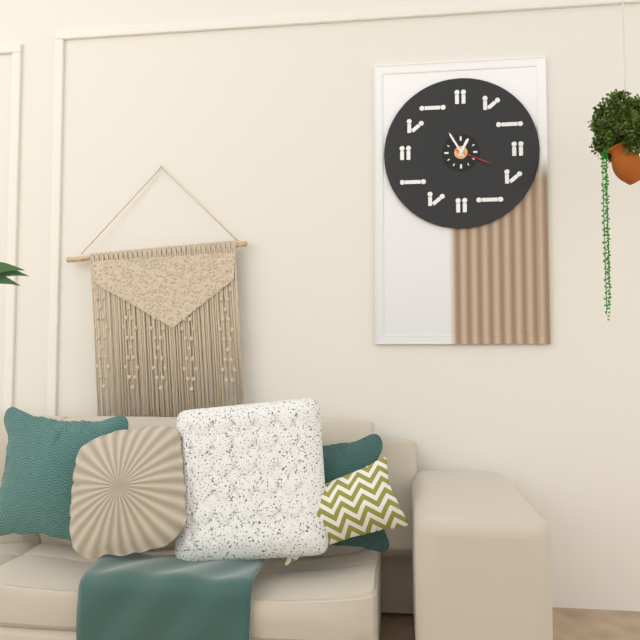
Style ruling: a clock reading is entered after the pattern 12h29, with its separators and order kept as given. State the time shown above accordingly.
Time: 12h55
